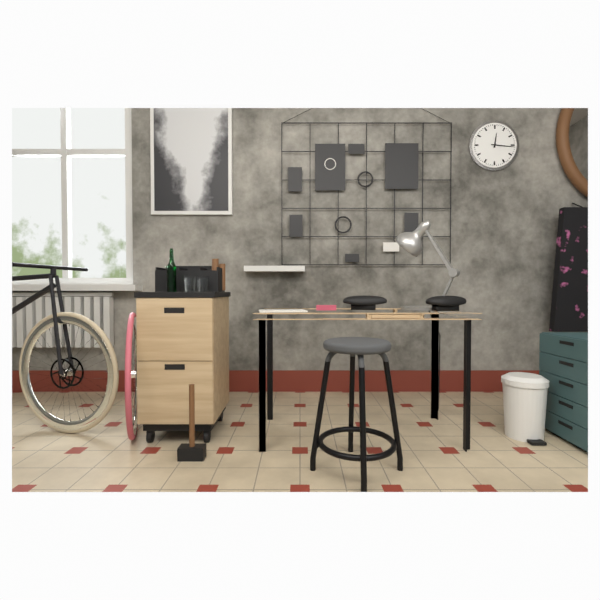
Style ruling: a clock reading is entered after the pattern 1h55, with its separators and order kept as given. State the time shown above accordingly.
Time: 12h16
